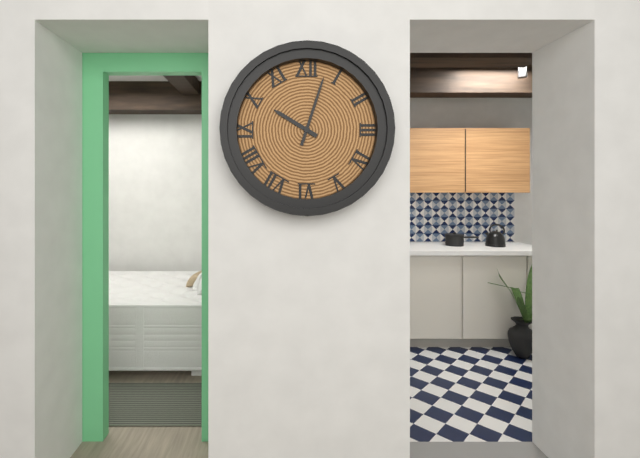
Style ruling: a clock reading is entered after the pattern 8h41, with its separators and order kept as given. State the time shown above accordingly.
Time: 10h03
